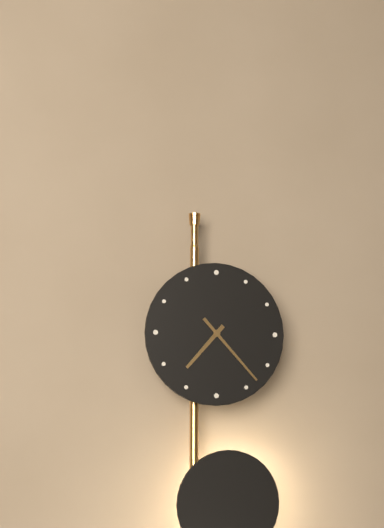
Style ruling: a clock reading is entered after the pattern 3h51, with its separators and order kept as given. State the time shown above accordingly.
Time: 7h23
